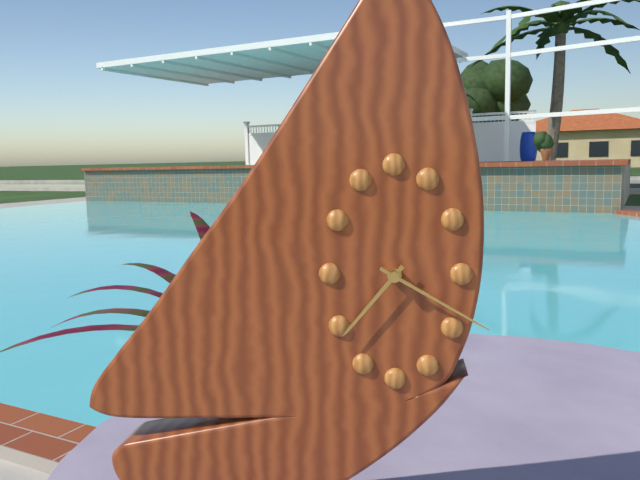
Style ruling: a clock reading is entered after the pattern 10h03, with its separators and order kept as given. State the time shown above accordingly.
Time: 7h20
